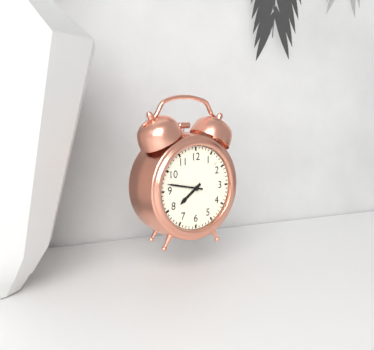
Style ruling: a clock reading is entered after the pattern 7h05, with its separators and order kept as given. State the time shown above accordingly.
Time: 7h47
